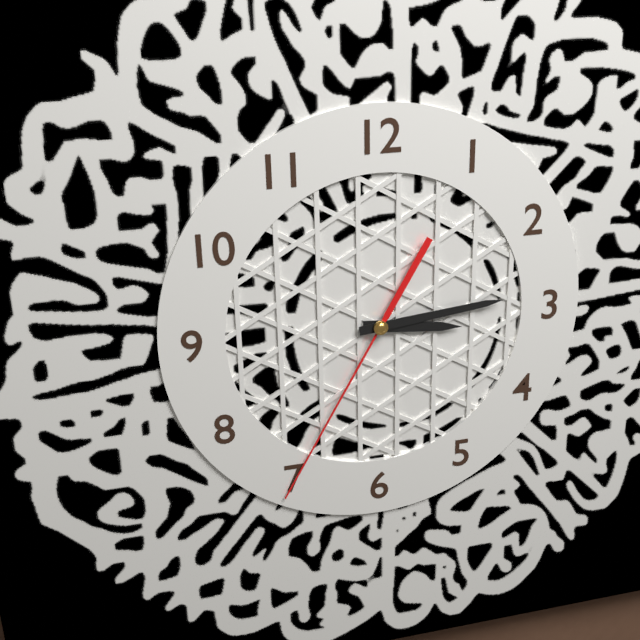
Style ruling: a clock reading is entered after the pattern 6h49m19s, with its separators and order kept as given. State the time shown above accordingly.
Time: 3h14m35s
